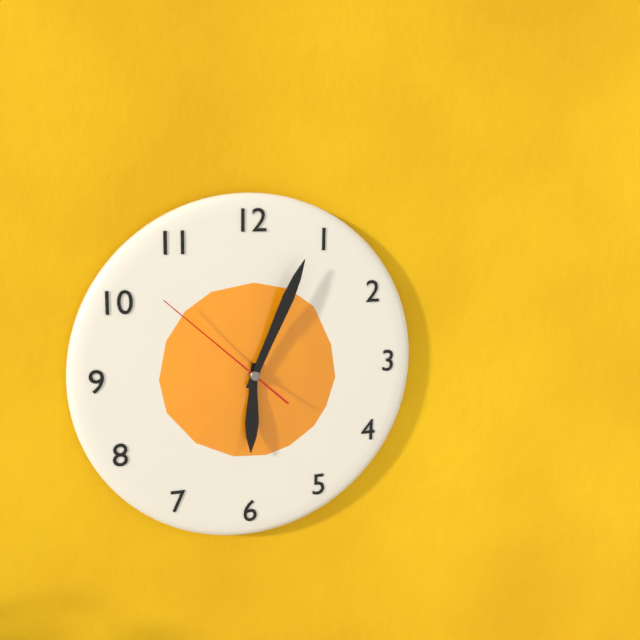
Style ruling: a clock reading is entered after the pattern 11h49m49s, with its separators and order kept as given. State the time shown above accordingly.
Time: 6h04m52s
